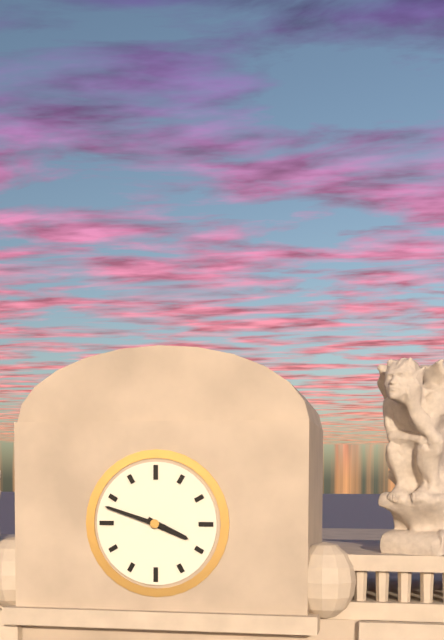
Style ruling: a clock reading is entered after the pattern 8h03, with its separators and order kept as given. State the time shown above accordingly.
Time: 3h48
